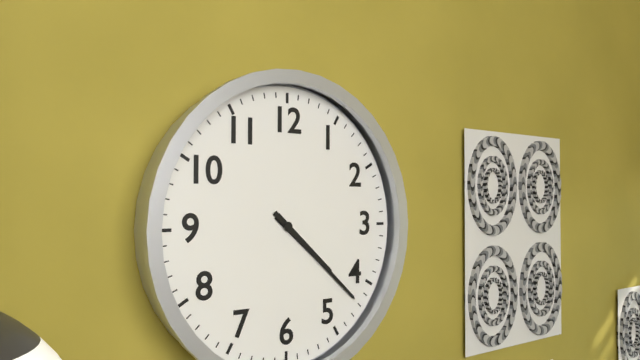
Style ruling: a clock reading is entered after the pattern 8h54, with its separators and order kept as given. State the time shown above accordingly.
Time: 4h22
